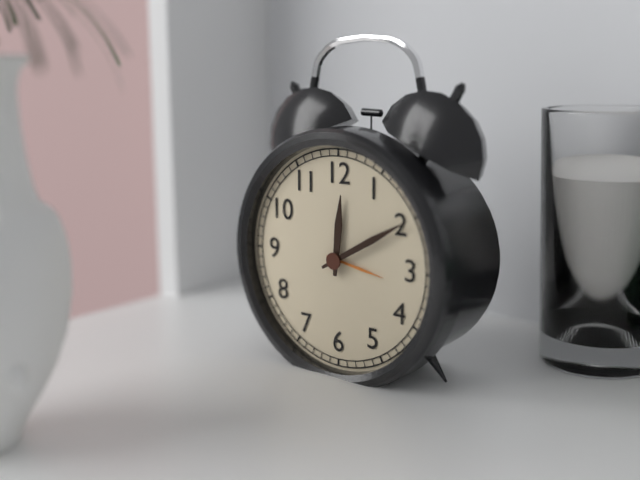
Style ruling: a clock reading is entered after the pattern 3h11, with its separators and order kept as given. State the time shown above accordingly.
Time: 12h10
